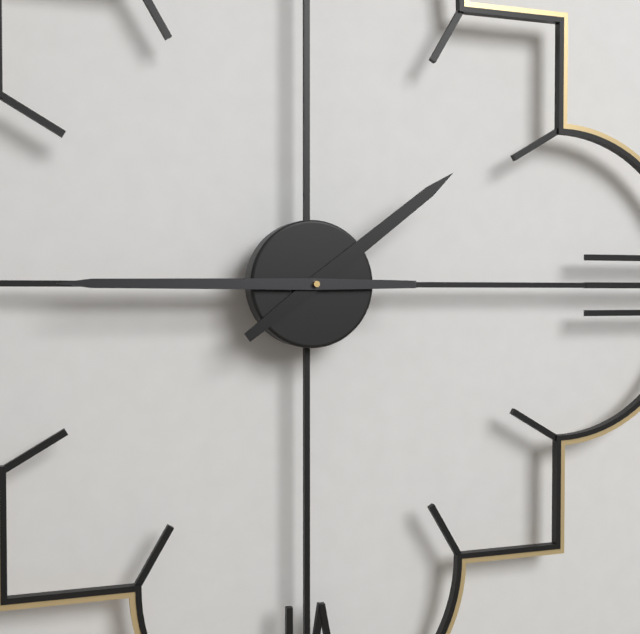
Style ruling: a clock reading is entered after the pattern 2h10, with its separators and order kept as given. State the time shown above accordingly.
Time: 1h45
